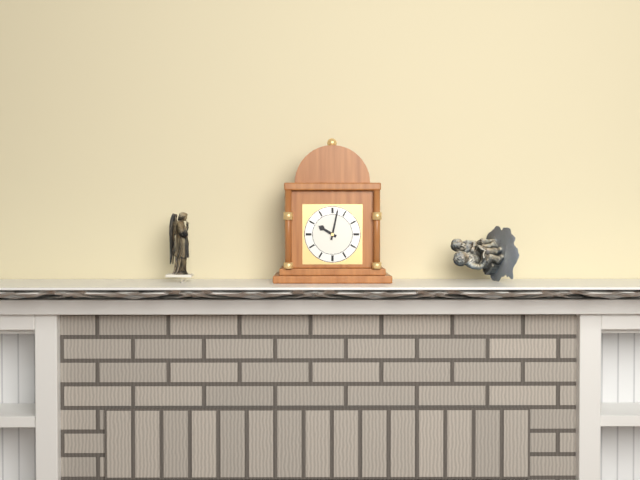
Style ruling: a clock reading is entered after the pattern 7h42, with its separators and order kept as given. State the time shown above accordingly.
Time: 10h02
